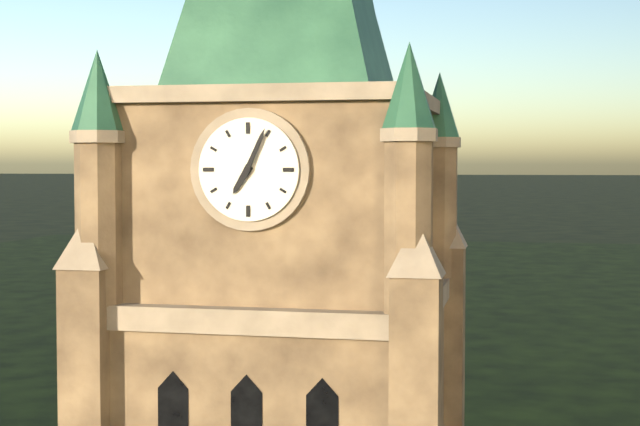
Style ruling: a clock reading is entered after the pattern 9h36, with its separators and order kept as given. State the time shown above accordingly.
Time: 7h04
